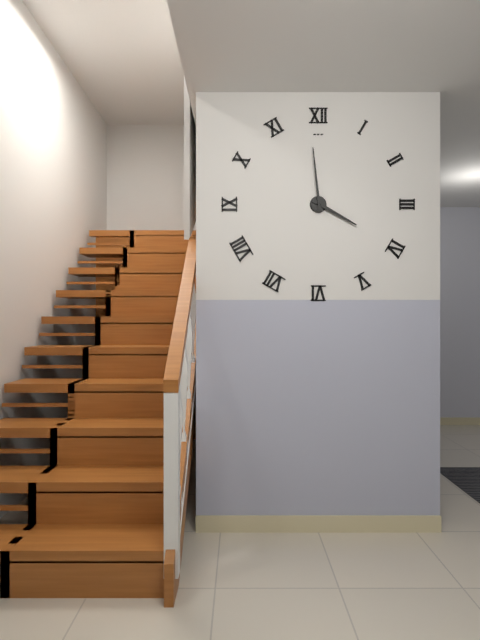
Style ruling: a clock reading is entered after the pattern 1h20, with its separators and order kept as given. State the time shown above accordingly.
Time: 3h59
